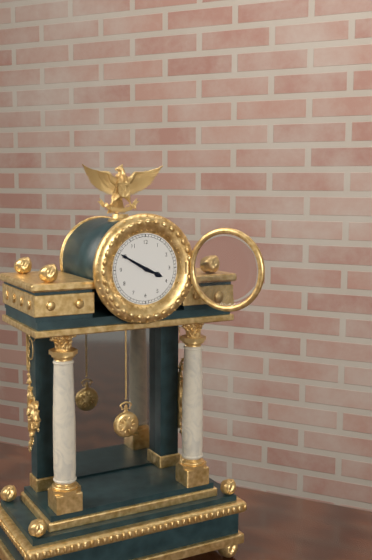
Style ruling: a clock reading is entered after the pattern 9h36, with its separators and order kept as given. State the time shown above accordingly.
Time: 3h50
